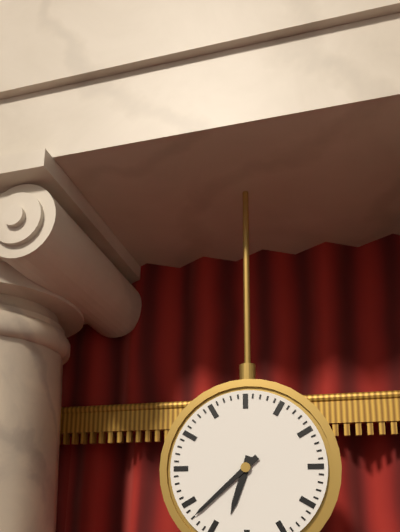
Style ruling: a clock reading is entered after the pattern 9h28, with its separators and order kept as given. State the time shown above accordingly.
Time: 6h38
